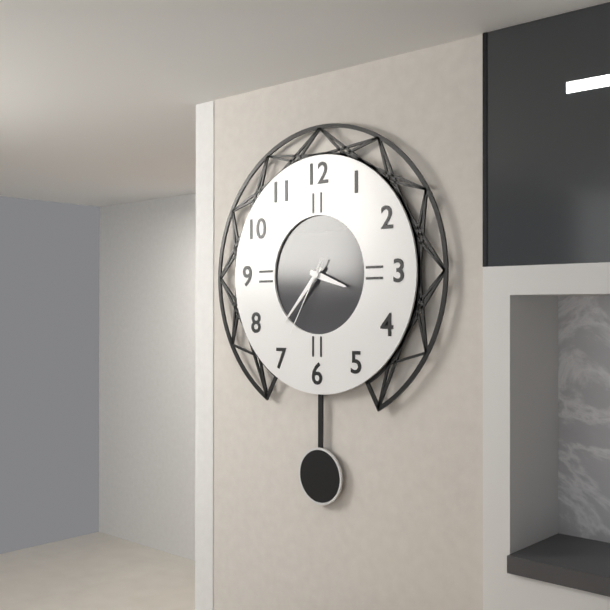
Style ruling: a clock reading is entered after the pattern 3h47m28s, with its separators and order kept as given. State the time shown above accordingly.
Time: 3h37m35s
